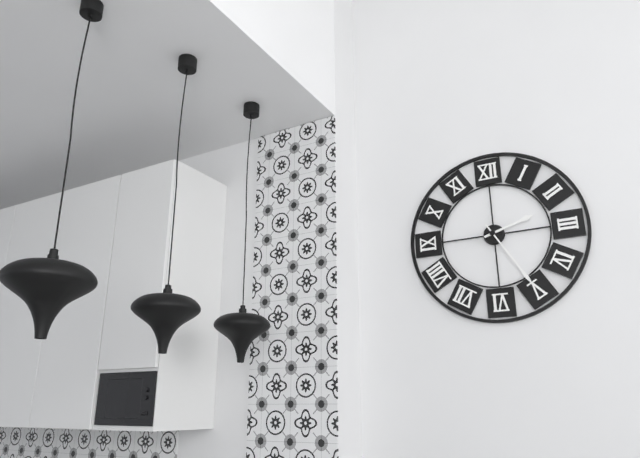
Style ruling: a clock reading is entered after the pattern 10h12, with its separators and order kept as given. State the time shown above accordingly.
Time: 2h25
